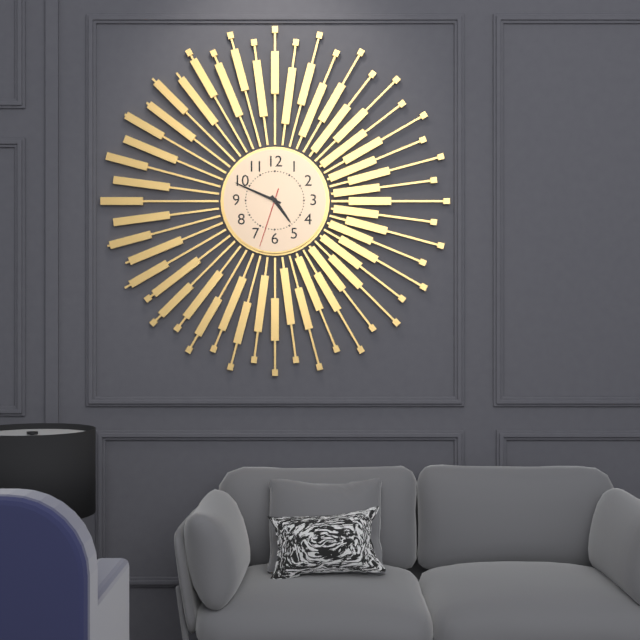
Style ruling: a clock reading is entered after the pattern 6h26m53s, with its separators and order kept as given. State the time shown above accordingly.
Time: 4h49m33s
